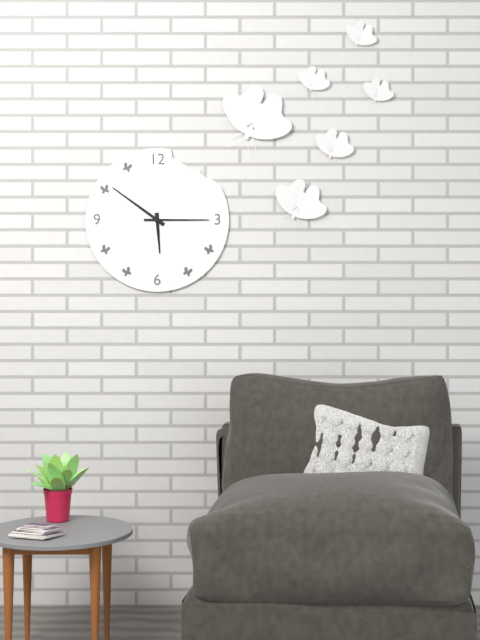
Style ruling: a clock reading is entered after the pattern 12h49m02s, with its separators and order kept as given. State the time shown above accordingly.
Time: 5h51m15s
